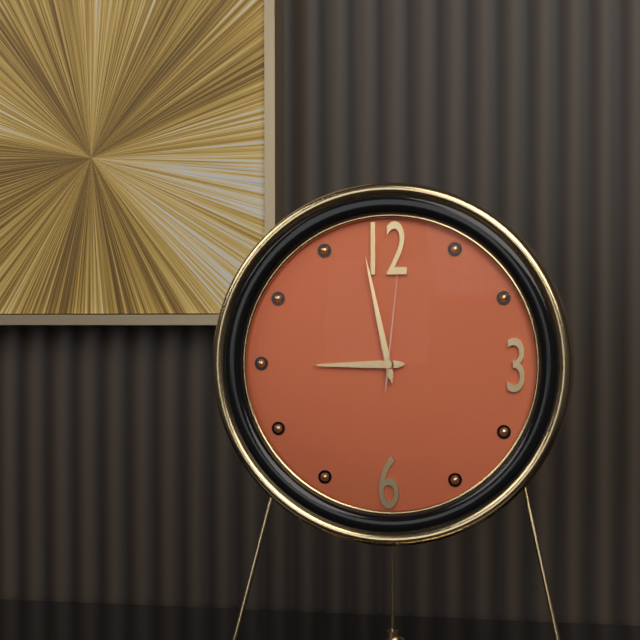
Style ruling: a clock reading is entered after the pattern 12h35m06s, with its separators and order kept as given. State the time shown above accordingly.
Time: 8h58m01s
